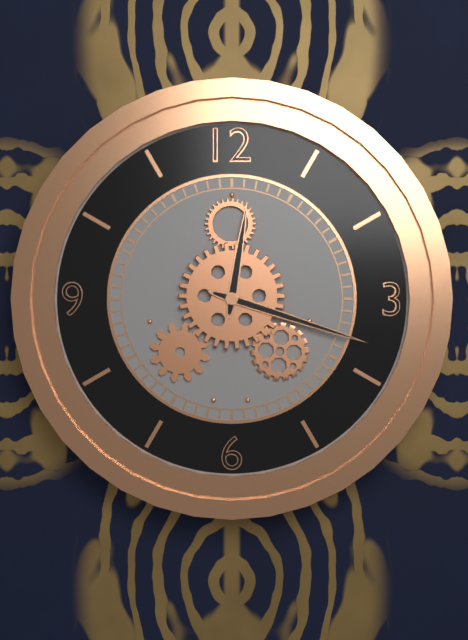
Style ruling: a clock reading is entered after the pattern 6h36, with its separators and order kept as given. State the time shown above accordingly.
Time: 12h18
